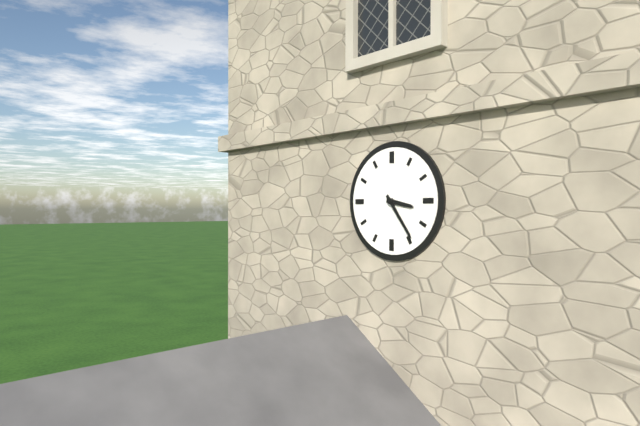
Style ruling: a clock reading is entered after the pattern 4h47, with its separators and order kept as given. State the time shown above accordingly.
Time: 3h24
